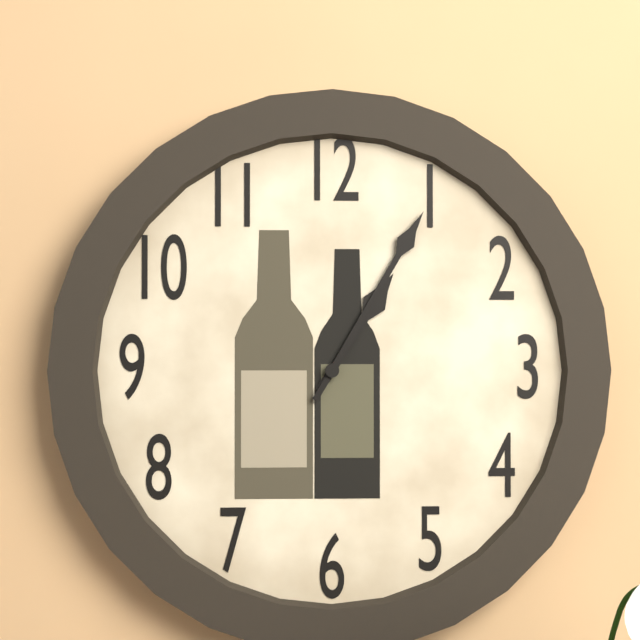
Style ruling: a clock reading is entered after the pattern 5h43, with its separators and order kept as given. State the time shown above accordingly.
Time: 1h05
